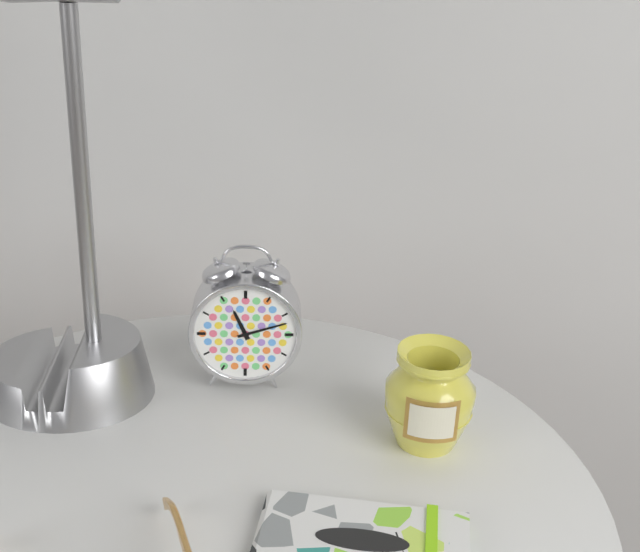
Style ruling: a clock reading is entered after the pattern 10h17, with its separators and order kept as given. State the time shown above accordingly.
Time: 11h12
